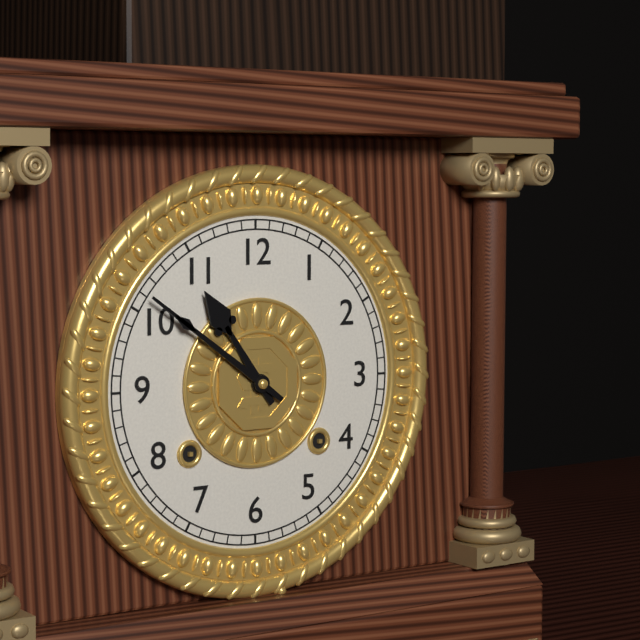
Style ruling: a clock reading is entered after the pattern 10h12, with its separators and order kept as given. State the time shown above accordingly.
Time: 10h51
